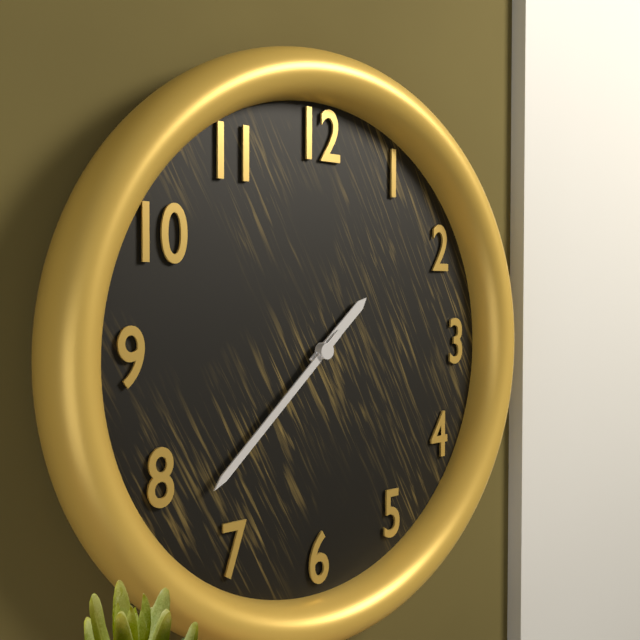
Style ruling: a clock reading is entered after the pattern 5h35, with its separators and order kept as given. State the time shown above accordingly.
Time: 1h38
